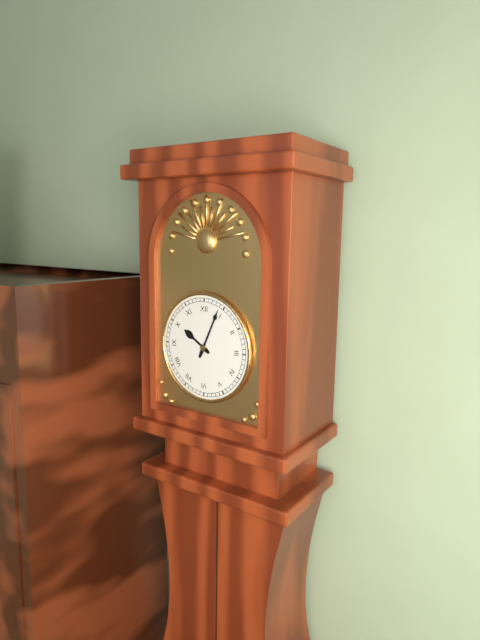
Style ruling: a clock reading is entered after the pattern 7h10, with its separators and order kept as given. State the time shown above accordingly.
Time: 10h04
